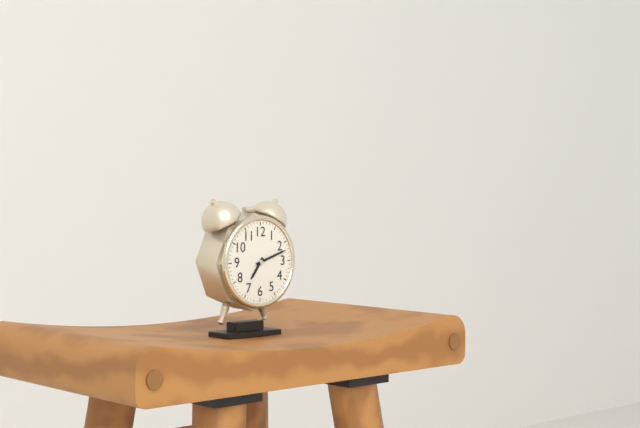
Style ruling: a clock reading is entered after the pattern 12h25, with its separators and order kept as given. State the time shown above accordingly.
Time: 7h12
